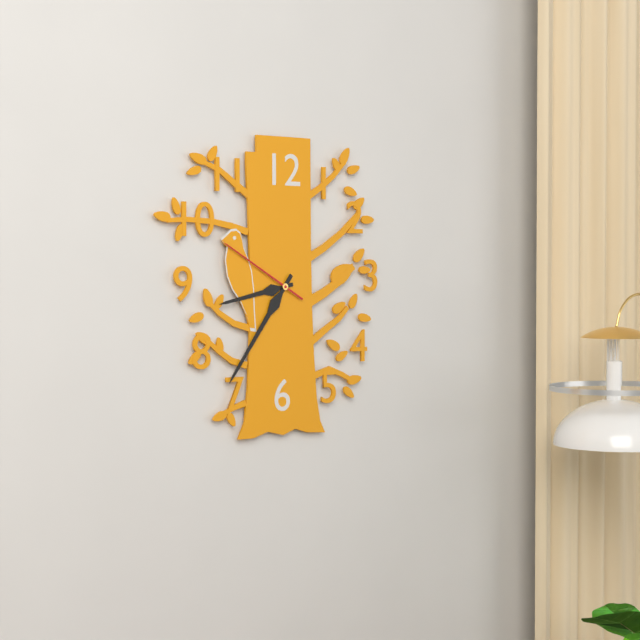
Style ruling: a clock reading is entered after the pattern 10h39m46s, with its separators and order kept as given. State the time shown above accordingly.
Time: 8h36m50s
